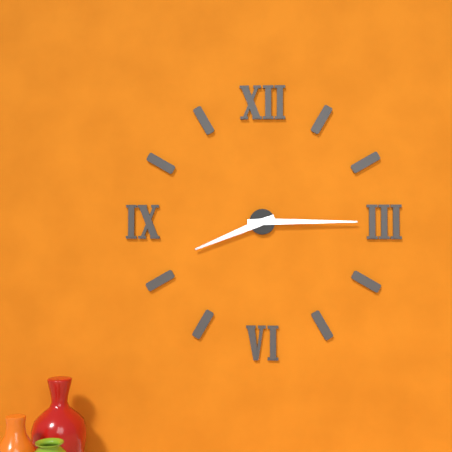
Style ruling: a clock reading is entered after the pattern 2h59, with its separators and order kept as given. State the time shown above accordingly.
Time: 8h15
